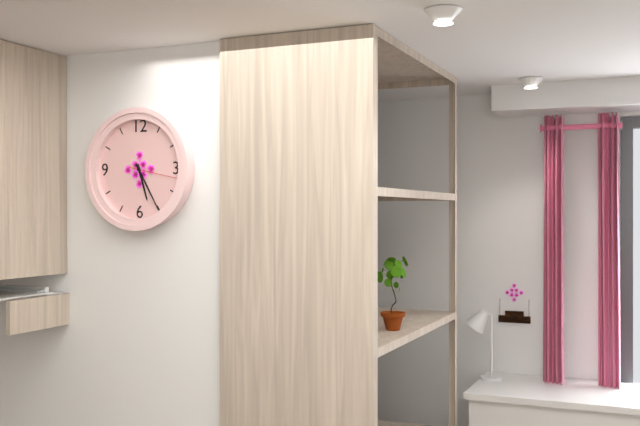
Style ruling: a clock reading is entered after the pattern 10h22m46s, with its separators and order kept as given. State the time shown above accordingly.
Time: 5h25m17s
